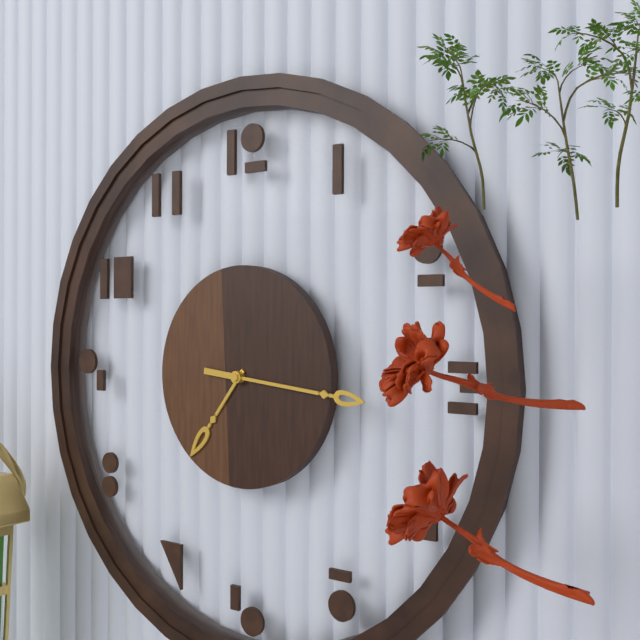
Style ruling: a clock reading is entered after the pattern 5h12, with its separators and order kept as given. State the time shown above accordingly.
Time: 7h16
